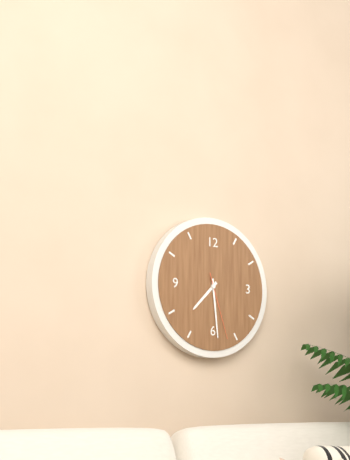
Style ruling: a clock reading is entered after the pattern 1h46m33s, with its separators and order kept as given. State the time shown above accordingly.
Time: 7h29m27s
